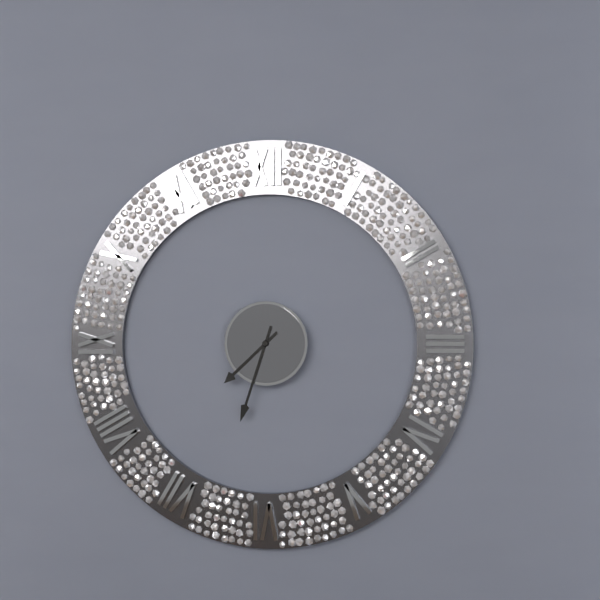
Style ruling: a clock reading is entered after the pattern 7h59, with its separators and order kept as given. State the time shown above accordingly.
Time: 7h33
